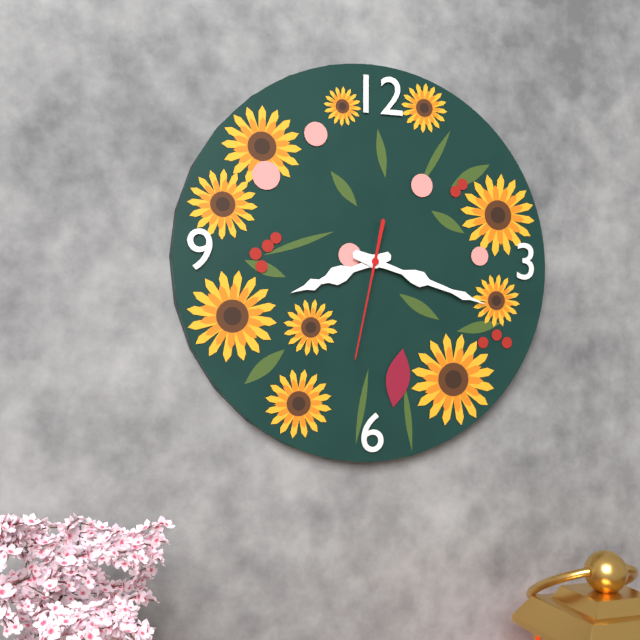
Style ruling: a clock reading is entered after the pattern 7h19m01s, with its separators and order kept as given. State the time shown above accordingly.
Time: 8h18m32s
